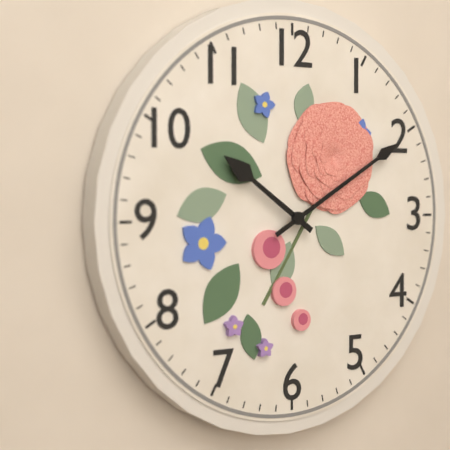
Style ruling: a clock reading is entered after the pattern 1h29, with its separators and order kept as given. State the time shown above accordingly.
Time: 10h10
